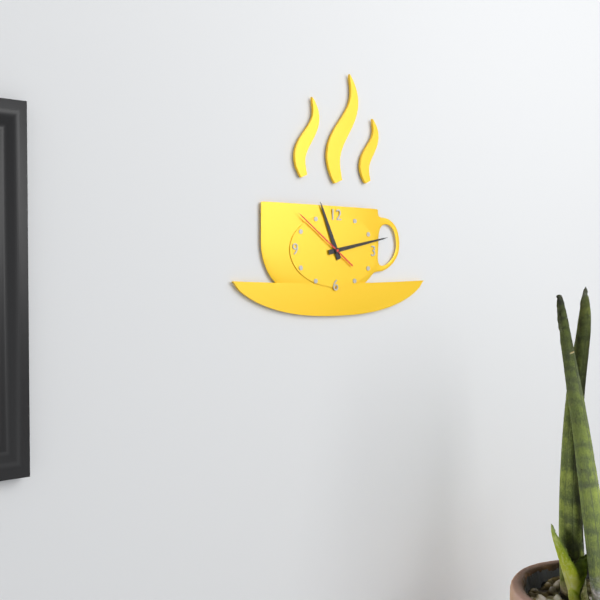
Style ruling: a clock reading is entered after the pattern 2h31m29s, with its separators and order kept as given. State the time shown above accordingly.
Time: 11h13m51s
